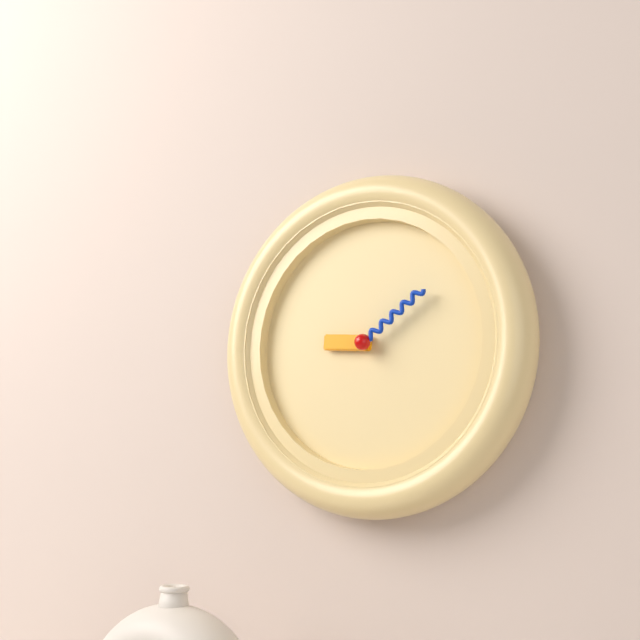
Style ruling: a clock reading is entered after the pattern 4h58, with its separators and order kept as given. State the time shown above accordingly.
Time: 9h09
